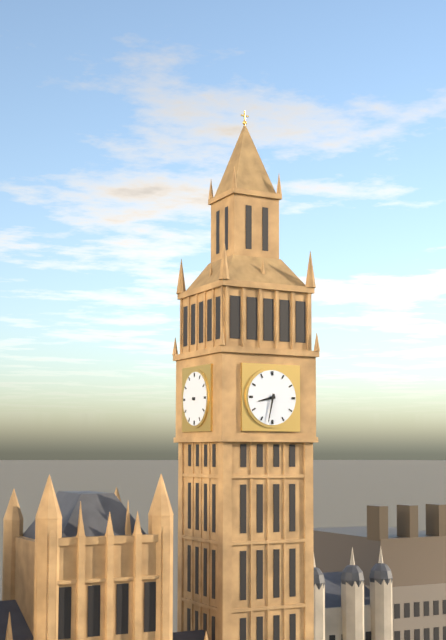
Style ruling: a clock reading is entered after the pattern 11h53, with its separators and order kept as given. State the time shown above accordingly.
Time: 8h32
